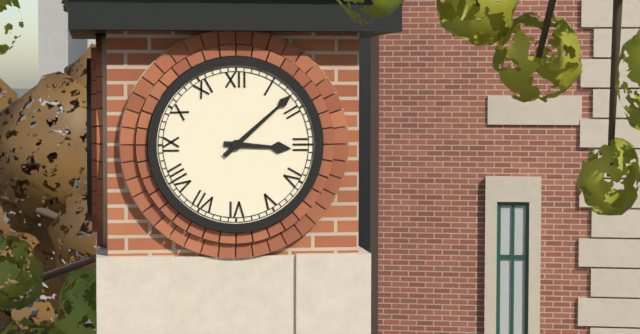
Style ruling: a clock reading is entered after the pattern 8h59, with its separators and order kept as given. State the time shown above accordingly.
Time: 3h08
